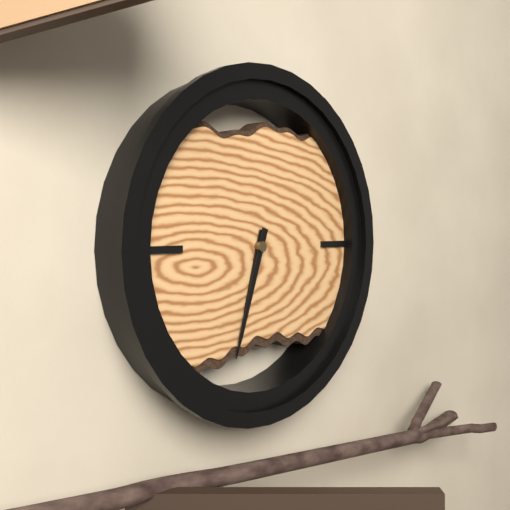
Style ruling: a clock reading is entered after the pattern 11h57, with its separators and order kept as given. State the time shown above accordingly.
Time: 6h33
